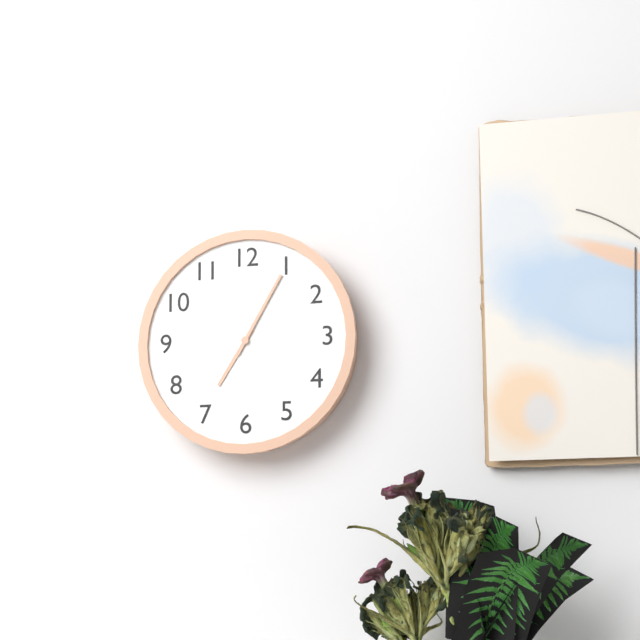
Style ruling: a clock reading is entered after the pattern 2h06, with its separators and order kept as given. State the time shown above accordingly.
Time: 7h05
